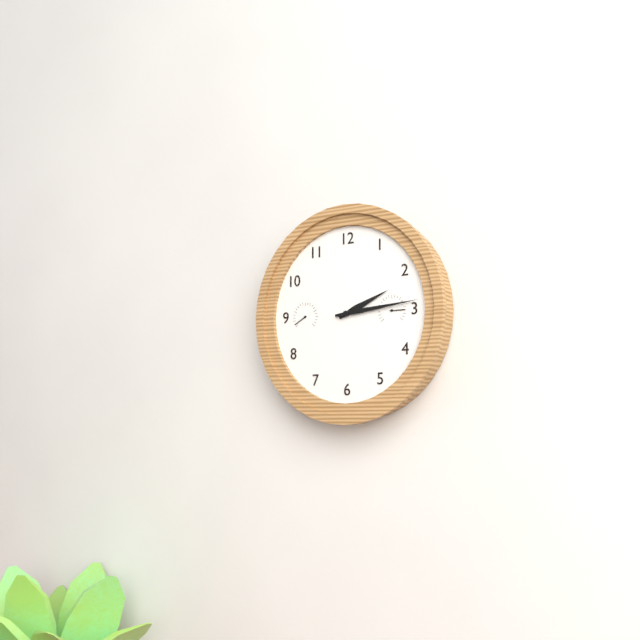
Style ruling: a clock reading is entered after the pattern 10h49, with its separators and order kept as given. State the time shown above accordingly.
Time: 2h14
